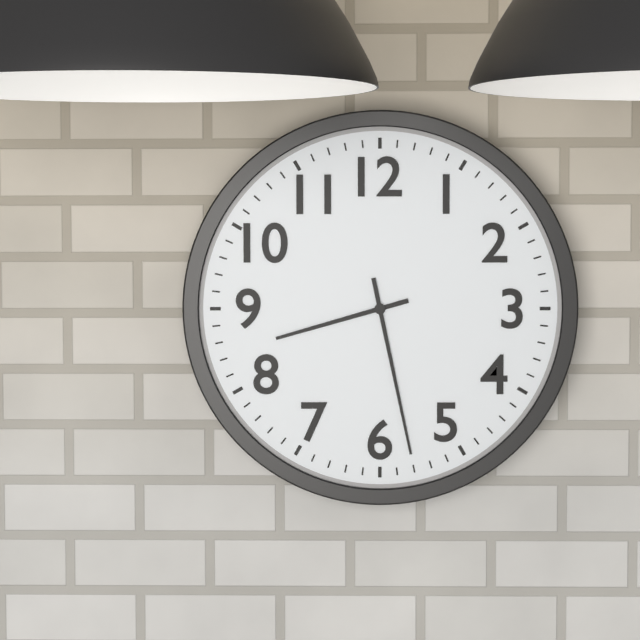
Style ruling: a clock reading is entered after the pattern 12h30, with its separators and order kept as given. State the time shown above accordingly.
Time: 8h28
